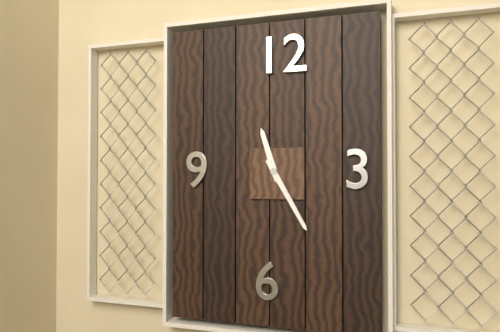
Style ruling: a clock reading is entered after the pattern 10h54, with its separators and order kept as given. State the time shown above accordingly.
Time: 11h25
